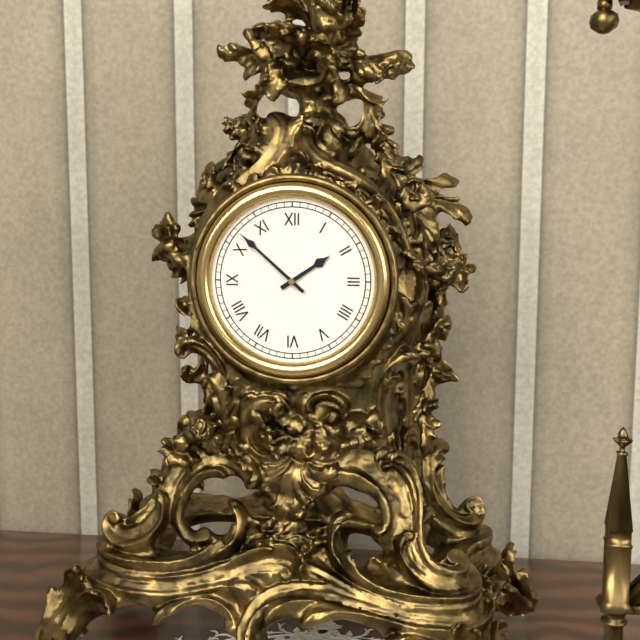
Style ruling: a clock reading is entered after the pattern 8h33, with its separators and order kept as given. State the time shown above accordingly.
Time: 1h52
